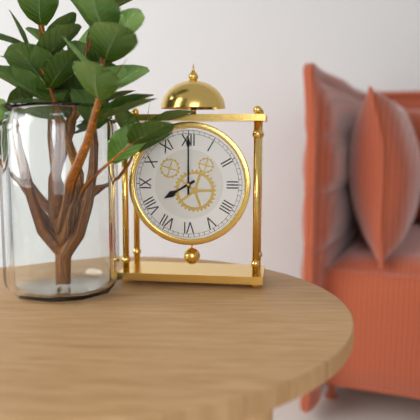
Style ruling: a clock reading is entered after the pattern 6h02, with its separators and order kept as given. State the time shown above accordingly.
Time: 8h00
